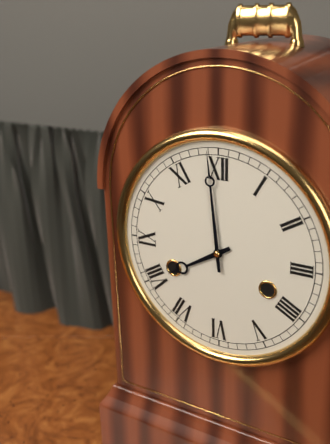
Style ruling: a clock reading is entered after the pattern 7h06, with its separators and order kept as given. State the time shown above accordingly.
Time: 7h59
